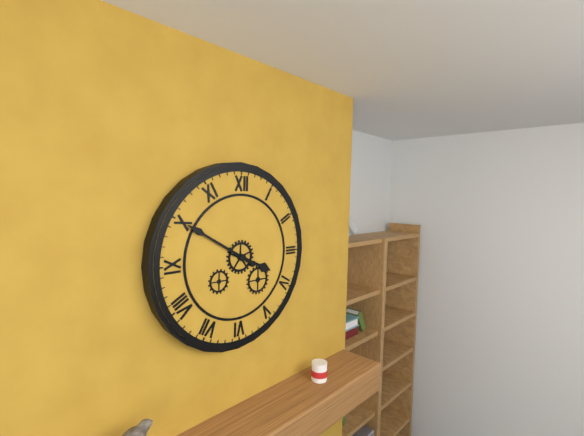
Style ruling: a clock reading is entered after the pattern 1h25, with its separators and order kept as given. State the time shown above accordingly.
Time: 3h50
